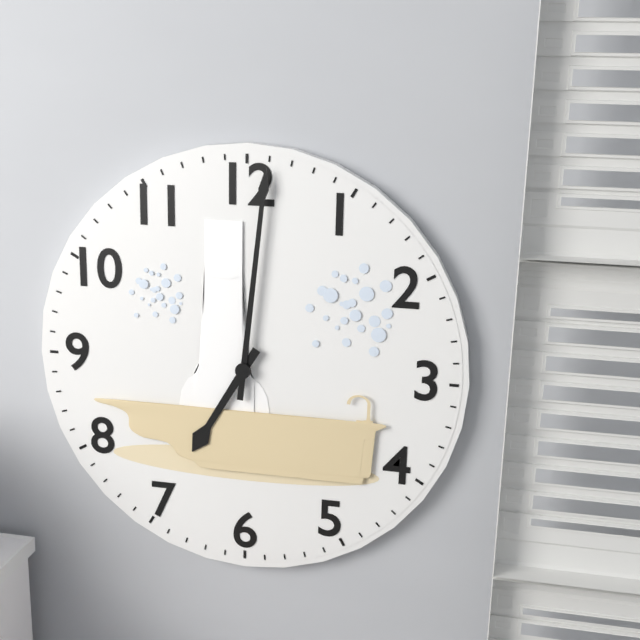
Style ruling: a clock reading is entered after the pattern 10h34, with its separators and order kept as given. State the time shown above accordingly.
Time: 7h01
